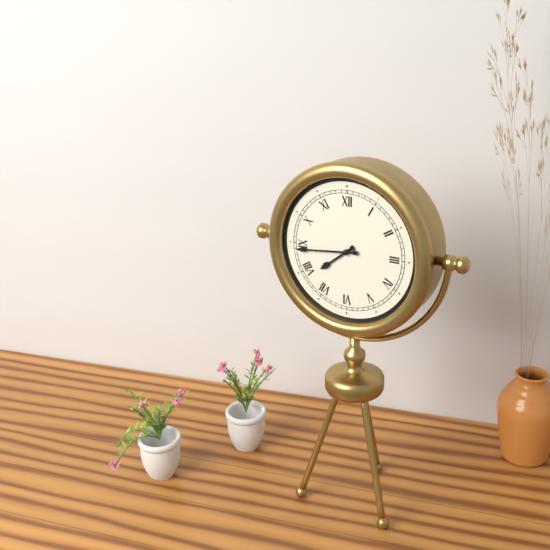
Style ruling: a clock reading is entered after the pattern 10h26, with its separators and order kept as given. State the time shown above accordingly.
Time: 7h44
